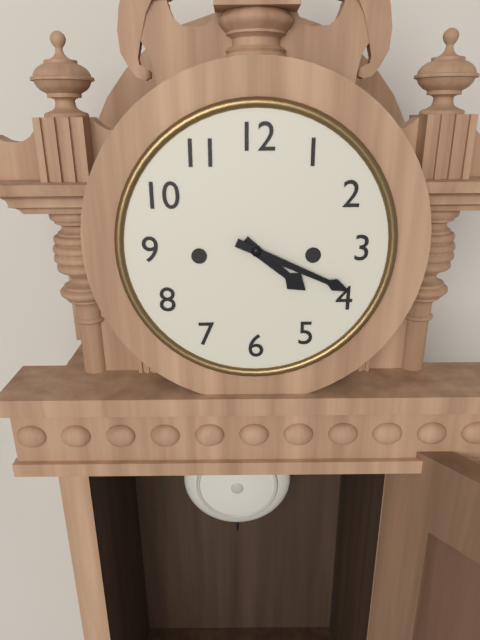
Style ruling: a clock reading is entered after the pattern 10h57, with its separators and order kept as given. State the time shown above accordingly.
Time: 4h19
